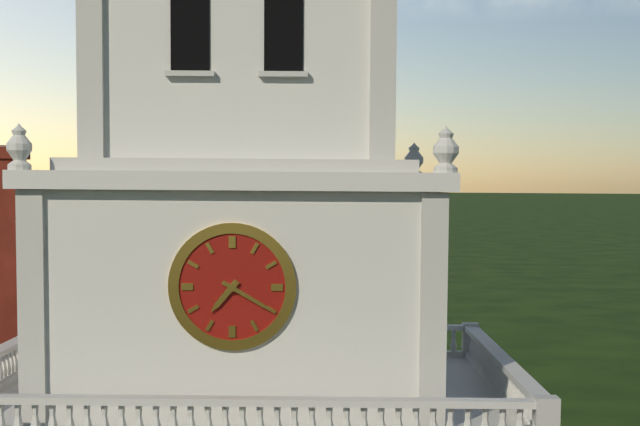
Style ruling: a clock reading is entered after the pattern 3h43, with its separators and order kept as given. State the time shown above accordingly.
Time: 7h20
